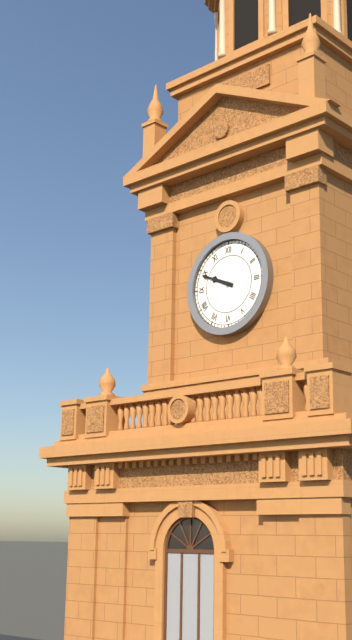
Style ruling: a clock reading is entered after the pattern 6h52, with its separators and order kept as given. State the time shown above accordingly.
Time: 9h49
